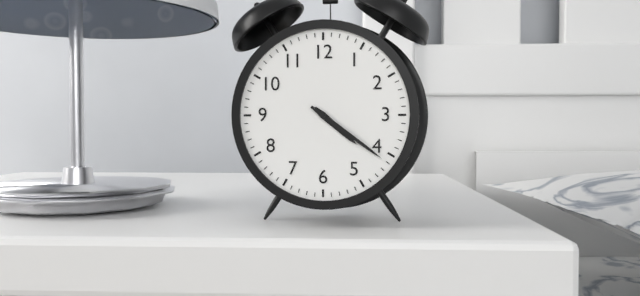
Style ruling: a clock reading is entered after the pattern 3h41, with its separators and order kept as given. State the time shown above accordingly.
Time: 4h21
